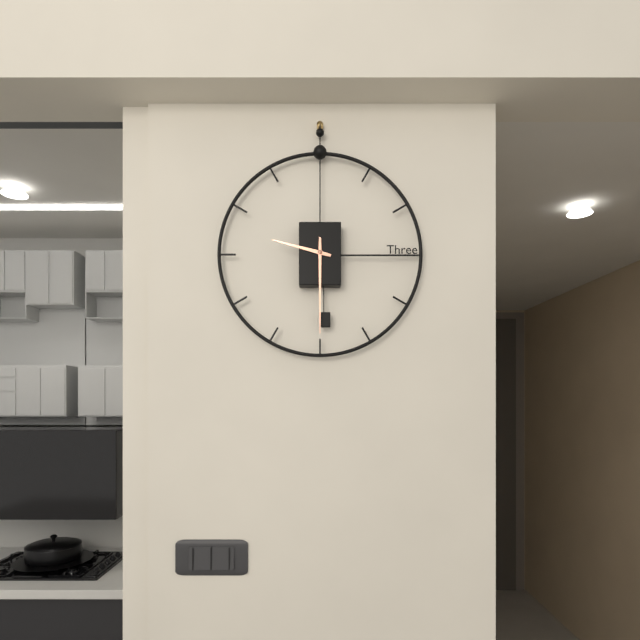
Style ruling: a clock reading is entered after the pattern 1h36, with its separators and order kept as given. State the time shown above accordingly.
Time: 9h30
